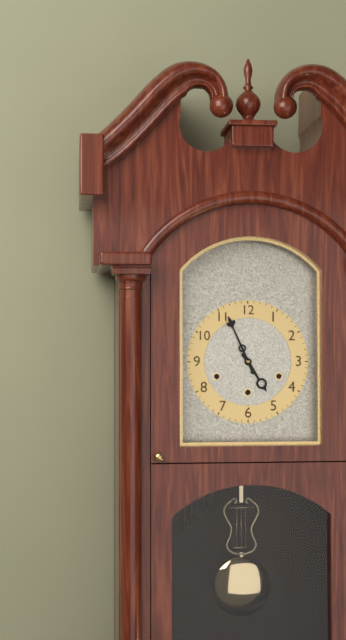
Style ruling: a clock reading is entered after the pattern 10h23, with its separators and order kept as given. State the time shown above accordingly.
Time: 4h56
